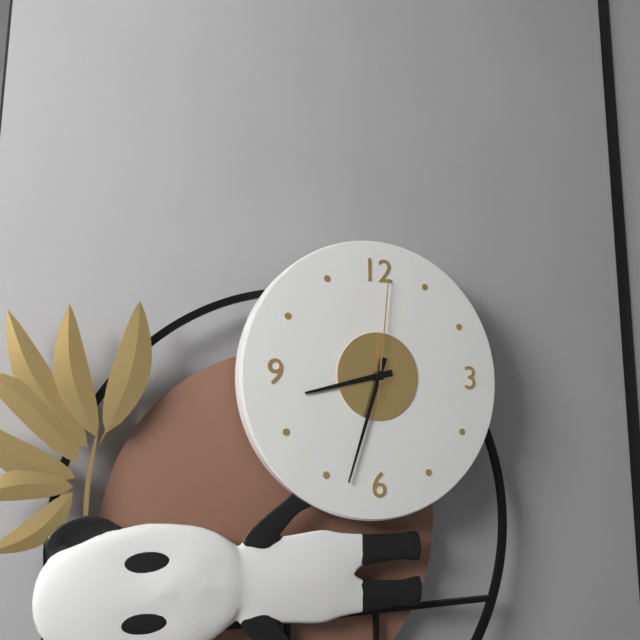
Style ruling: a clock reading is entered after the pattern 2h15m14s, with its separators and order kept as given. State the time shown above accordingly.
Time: 8h33m01s
